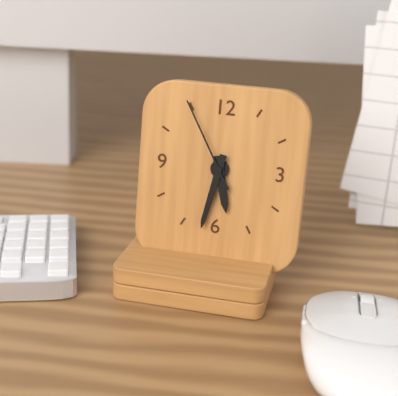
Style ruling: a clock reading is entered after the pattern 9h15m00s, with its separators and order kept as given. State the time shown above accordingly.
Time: 5h32m55s
